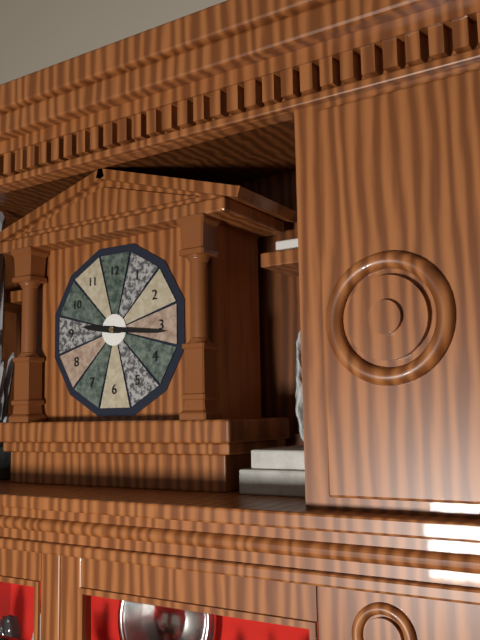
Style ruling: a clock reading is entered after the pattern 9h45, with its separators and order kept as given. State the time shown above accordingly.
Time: 9h16
